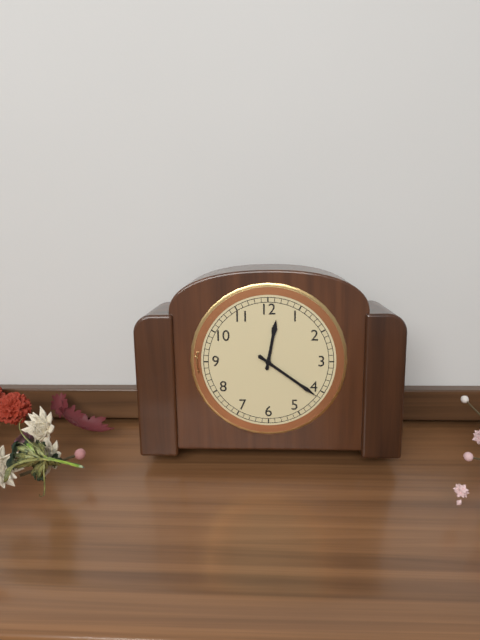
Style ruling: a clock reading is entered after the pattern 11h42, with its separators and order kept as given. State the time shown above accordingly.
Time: 12h21
